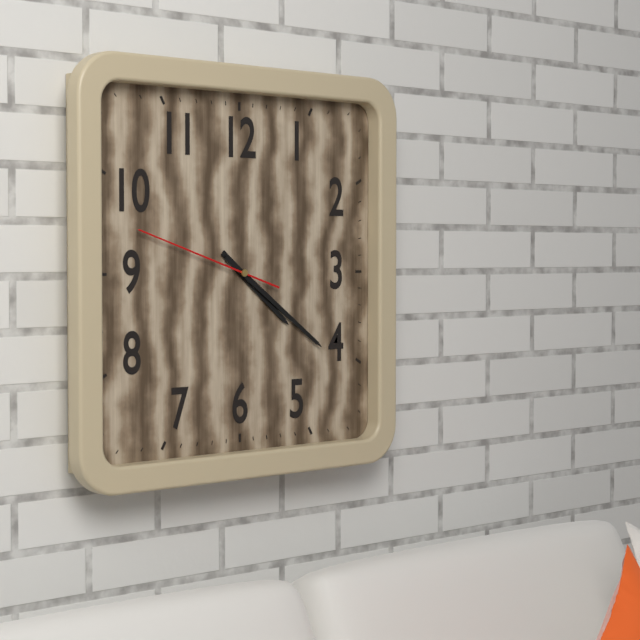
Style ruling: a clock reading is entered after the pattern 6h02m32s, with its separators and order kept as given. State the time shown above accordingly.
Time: 4h21m48s
